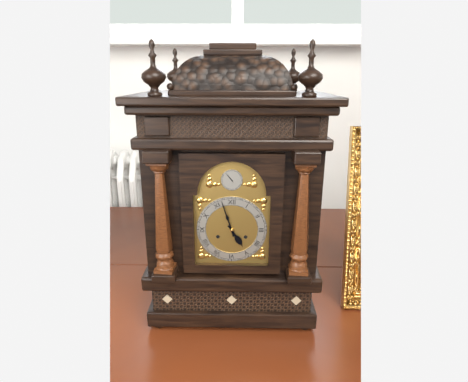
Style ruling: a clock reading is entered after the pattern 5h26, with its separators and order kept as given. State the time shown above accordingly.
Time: 4h57
